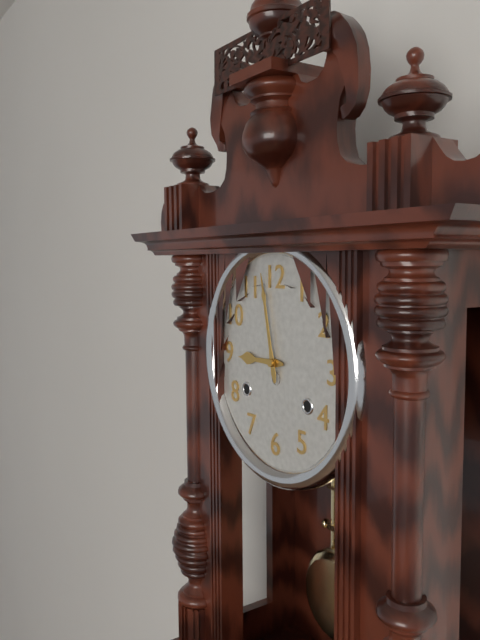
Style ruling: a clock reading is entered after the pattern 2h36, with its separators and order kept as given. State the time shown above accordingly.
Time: 8h58
